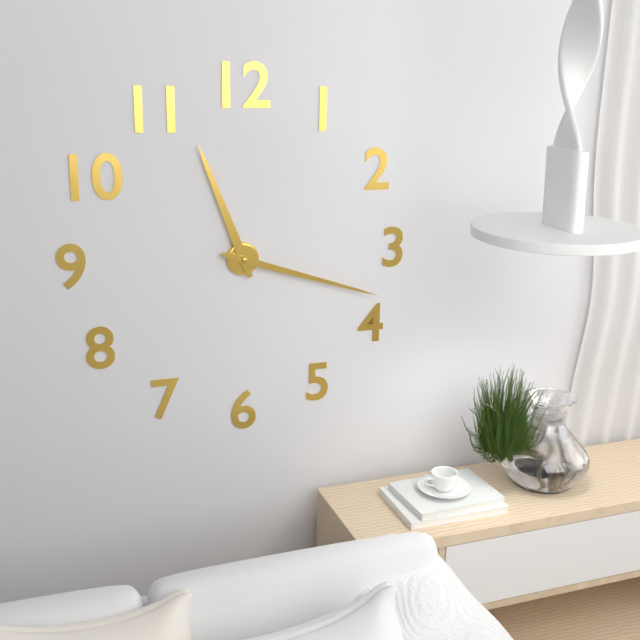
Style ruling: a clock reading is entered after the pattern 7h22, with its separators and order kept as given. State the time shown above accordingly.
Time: 11h18
